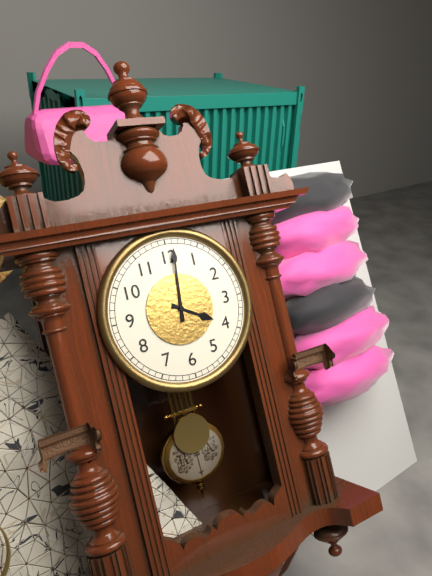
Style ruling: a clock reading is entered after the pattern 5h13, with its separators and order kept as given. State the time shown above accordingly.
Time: 4h01
